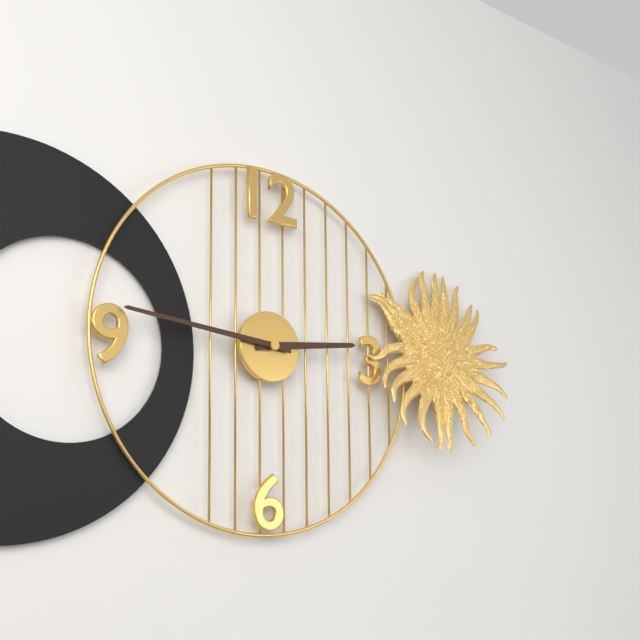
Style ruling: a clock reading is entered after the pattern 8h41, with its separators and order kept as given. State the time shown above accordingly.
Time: 2h46
